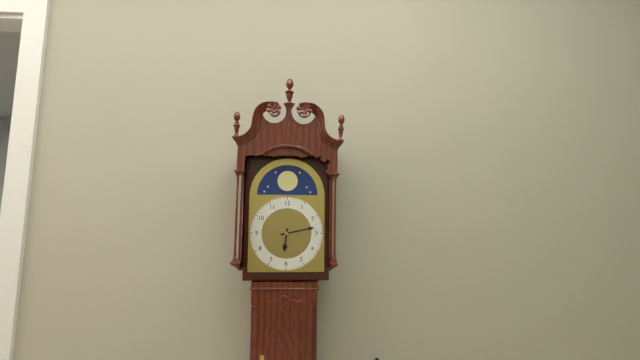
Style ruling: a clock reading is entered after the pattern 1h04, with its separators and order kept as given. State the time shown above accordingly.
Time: 6h13
